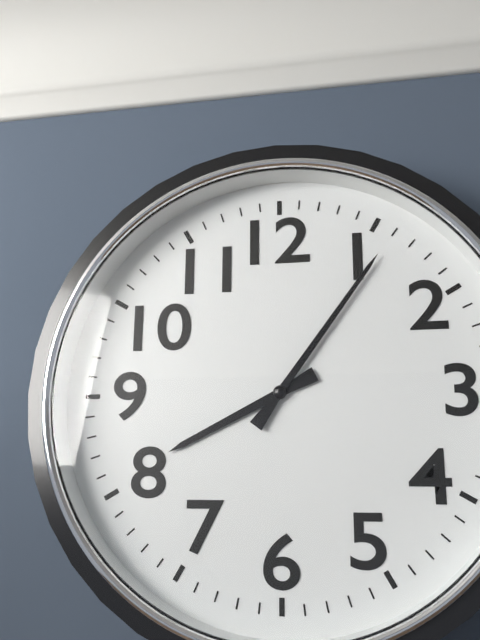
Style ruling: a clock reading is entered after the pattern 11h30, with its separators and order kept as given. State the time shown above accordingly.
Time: 8h06
